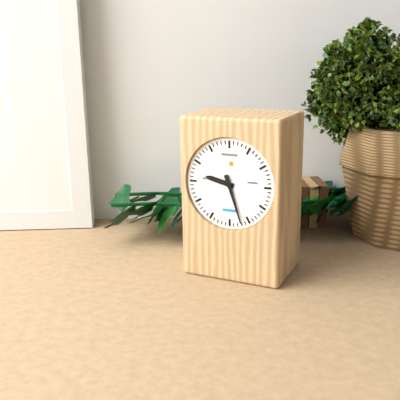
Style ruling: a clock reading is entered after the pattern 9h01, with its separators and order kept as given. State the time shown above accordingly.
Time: 9h27
